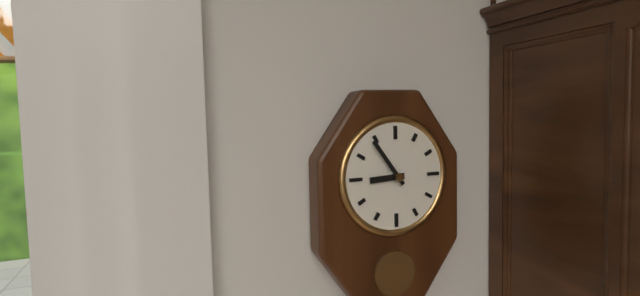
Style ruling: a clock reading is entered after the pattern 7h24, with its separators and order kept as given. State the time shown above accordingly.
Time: 8h54
